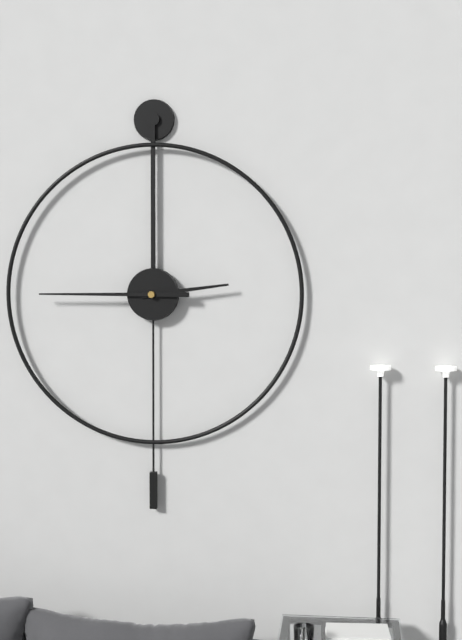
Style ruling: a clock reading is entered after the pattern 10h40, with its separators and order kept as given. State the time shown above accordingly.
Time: 2h45
